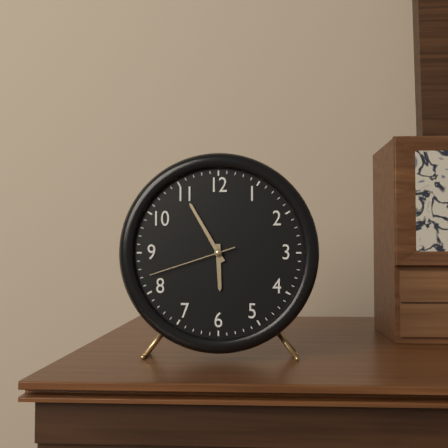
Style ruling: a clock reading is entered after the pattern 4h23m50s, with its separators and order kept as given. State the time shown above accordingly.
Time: 5h55m42s
